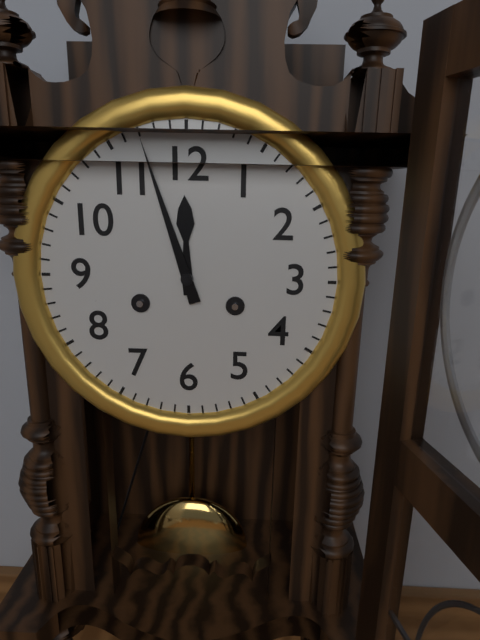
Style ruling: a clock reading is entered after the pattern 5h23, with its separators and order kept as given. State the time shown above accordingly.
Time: 11h57
